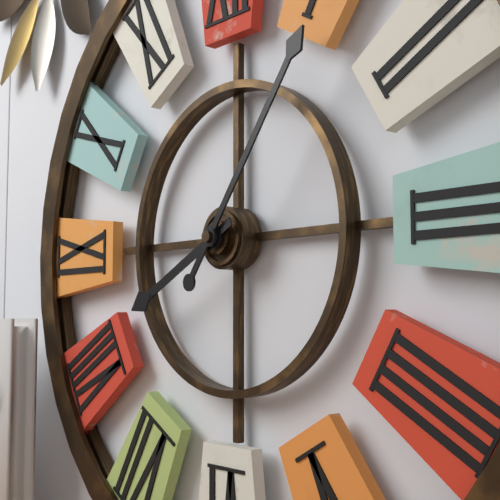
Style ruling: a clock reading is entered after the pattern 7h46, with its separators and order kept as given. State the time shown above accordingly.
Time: 8h06
